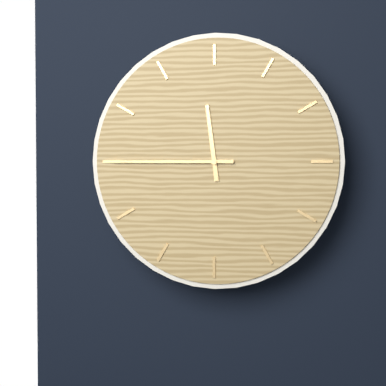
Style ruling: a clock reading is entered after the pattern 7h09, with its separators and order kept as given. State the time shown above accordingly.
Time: 11h45
